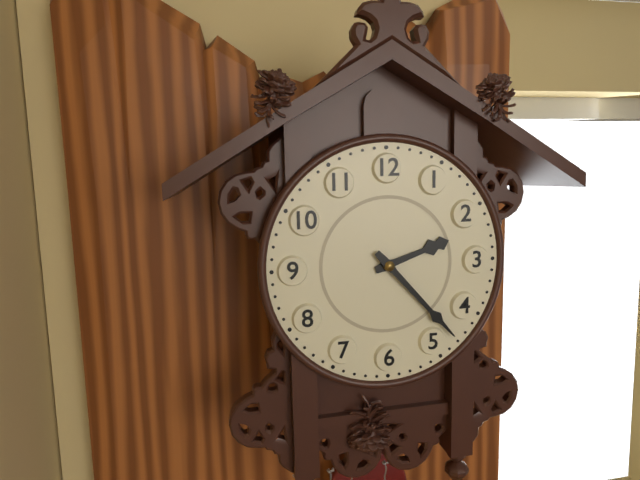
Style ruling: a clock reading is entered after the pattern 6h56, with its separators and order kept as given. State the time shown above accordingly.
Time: 2h23
